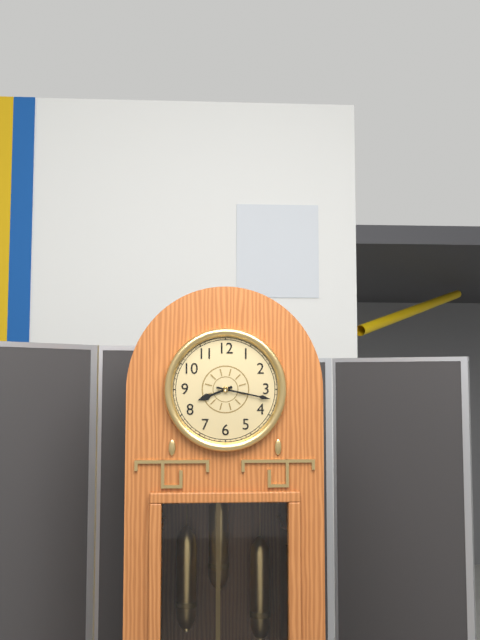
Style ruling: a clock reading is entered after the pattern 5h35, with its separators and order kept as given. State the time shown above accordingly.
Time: 8h17
